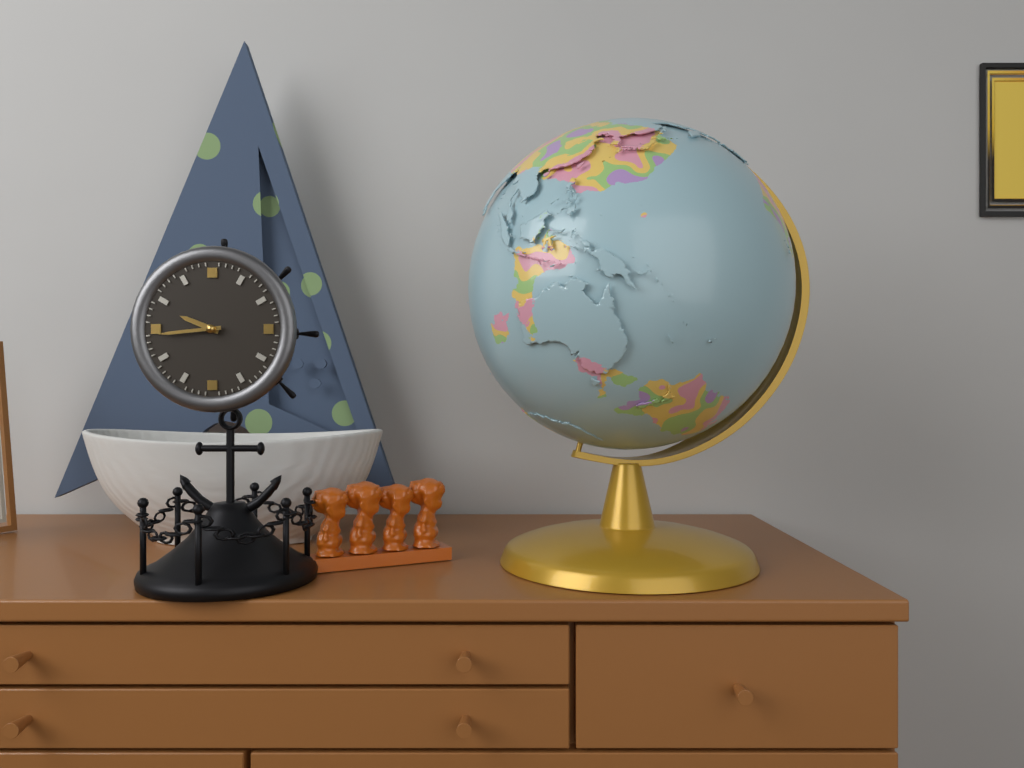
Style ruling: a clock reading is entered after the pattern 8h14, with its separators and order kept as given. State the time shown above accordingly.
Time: 9h44
